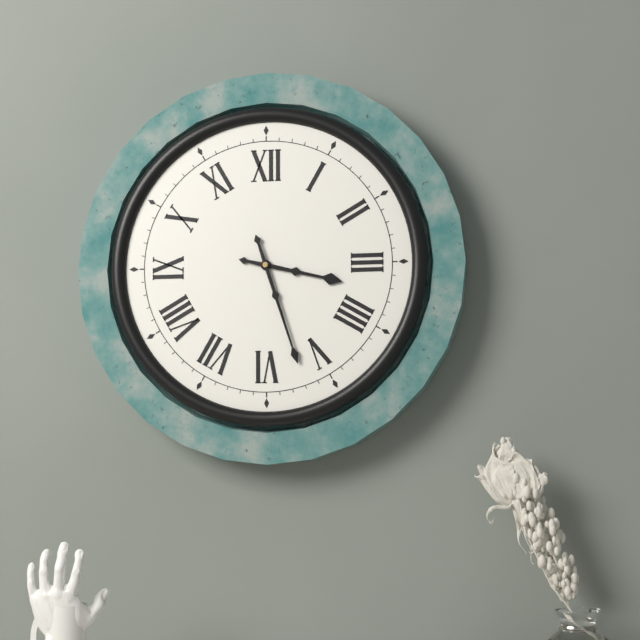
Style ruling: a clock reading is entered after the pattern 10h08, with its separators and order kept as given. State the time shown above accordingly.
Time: 3h27
